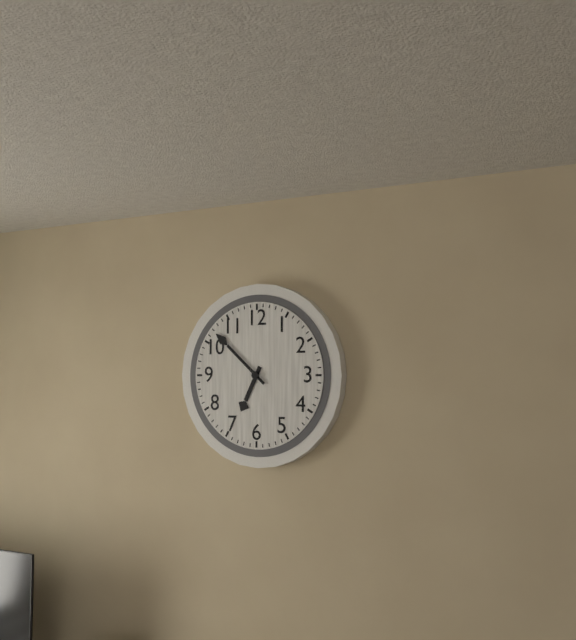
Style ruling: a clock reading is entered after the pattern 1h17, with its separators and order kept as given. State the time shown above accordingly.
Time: 6h52
